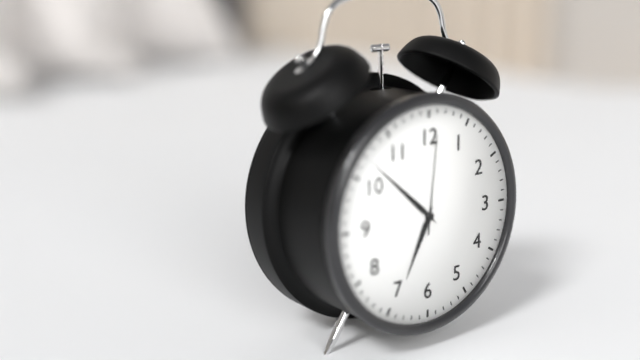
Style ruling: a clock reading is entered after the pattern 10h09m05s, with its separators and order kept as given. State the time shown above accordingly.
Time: 6h52m01s
